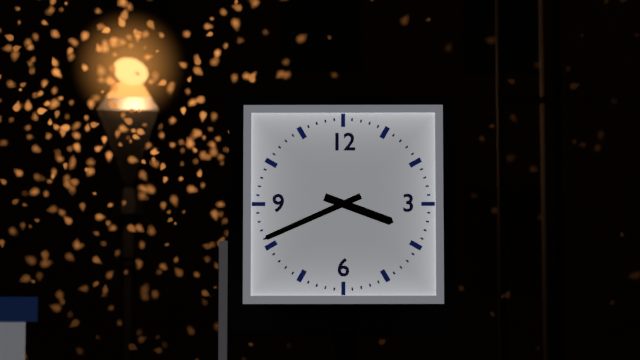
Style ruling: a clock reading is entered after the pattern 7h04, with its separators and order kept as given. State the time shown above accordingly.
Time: 3h41
